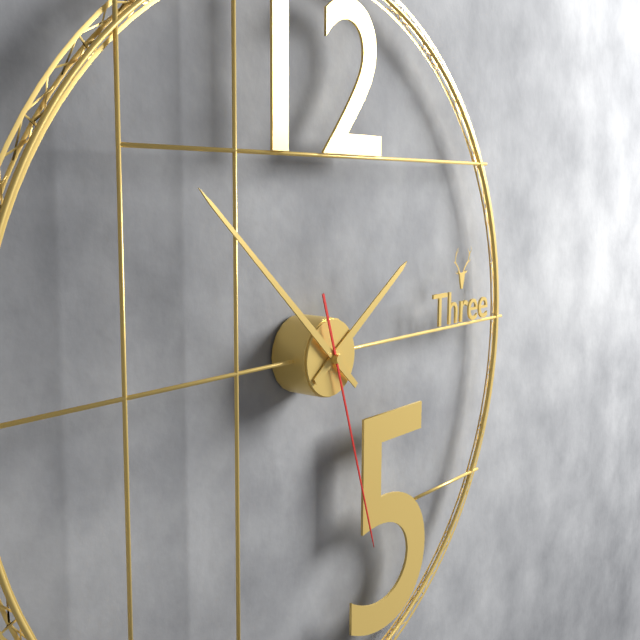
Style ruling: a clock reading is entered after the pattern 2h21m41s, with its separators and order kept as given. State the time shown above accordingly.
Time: 1h52m27s
